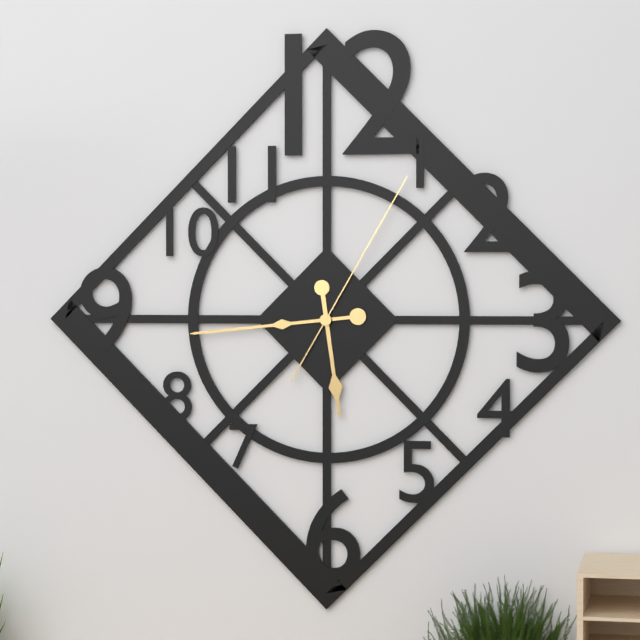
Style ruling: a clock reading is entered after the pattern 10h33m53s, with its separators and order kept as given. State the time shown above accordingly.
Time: 5h44m05s
